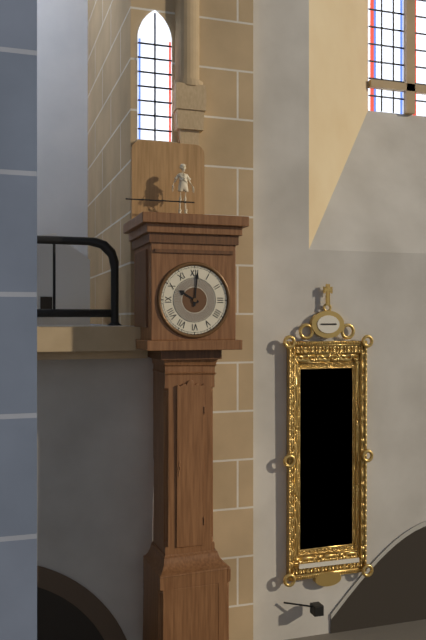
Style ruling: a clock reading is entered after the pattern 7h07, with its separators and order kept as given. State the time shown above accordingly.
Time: 10h01
